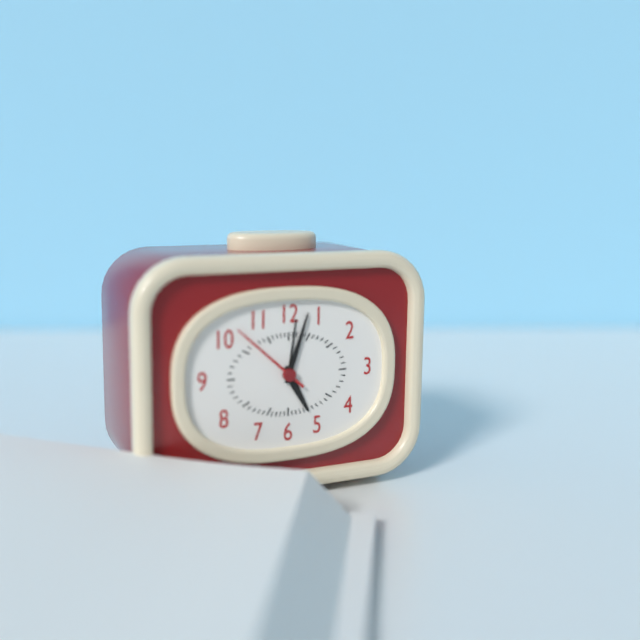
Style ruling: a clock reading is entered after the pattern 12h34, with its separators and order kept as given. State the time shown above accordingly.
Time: 5h03
